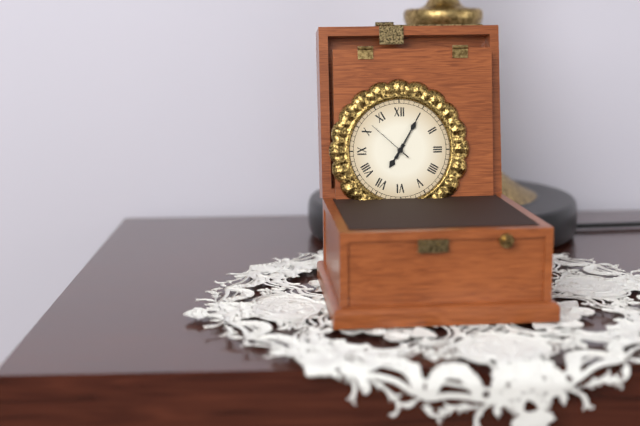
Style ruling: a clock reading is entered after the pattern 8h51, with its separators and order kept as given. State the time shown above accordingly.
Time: 7h05
